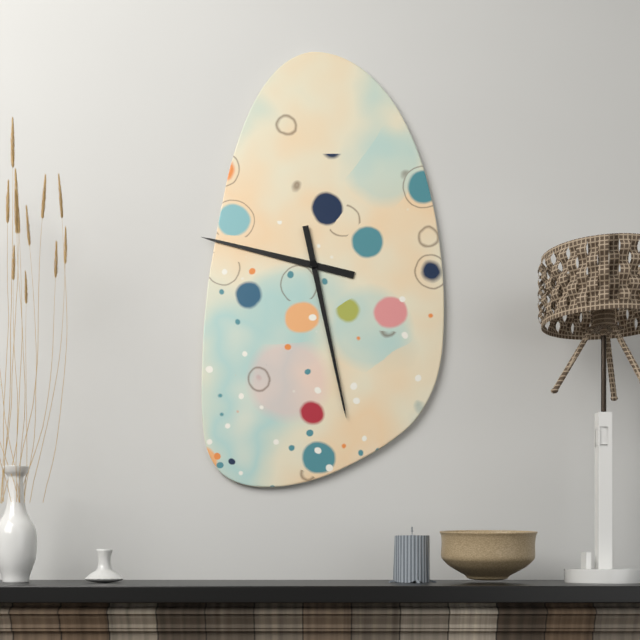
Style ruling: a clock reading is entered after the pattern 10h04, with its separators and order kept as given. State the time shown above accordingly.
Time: 9h28
